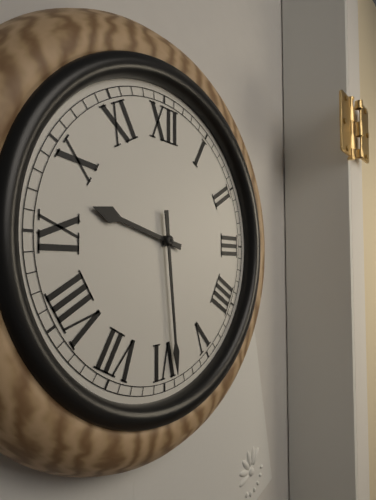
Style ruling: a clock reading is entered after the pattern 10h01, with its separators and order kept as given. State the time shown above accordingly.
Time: 9h29
